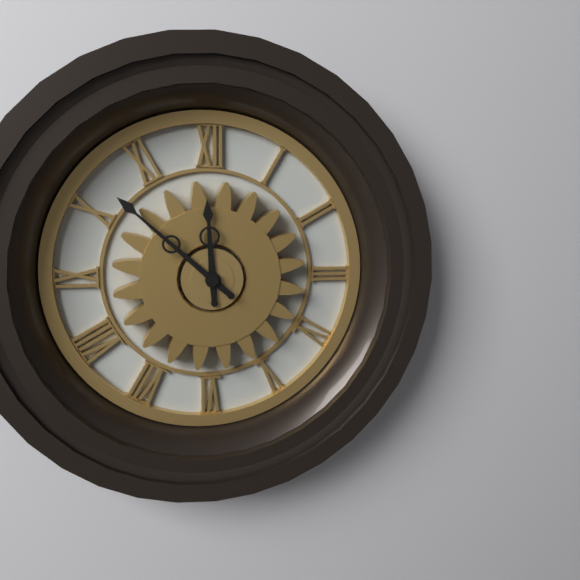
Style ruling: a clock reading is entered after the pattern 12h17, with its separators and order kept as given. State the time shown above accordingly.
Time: 11h52
